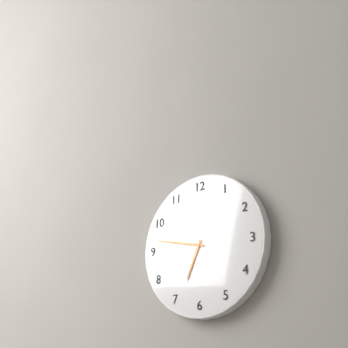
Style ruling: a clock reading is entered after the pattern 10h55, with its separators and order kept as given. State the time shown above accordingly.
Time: 6h47
